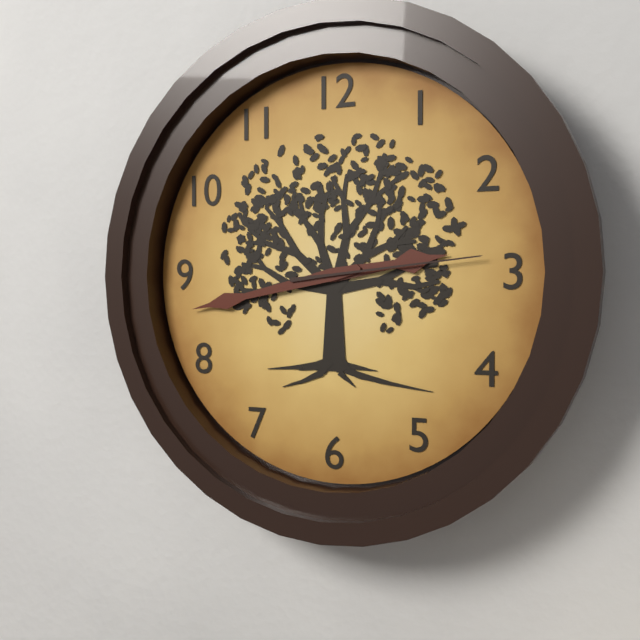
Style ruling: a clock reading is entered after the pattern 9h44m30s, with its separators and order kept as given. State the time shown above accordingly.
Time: 2h43m14s
